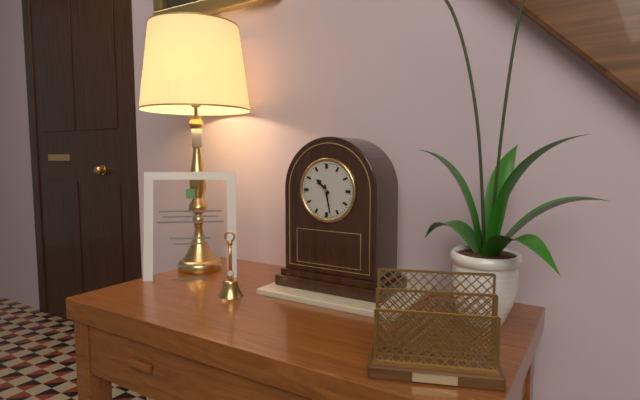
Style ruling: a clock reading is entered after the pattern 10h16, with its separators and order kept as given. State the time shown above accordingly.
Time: 10h28
